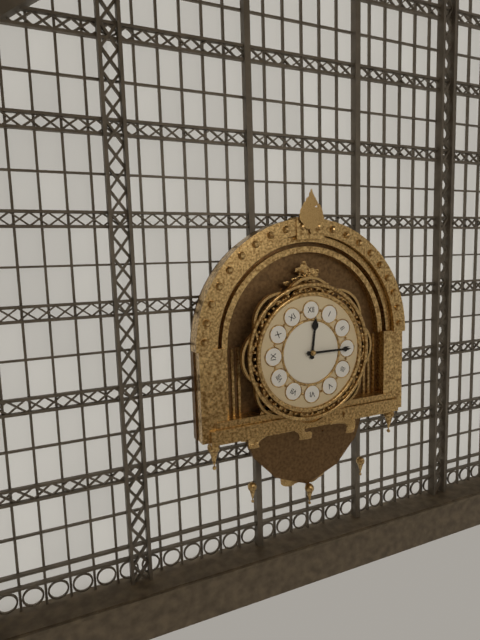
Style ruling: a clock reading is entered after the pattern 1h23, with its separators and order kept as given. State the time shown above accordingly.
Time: 12h15
